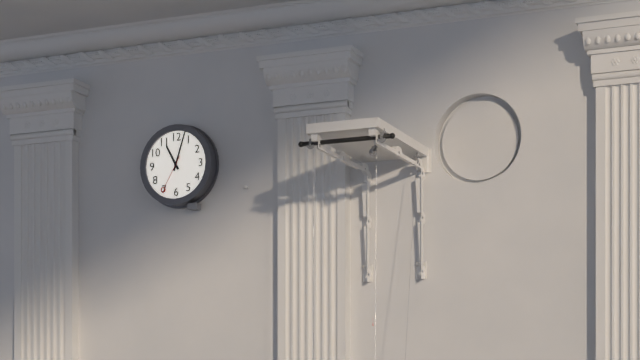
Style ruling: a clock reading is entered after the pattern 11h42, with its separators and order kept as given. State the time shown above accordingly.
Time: 11h03
